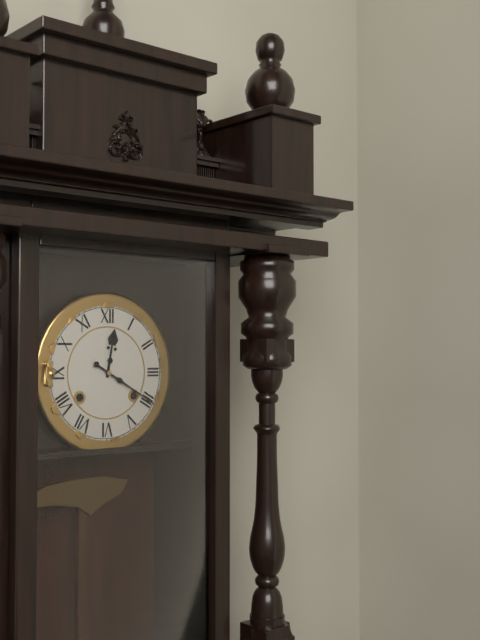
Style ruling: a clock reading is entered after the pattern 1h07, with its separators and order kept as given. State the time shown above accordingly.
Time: 12h20
